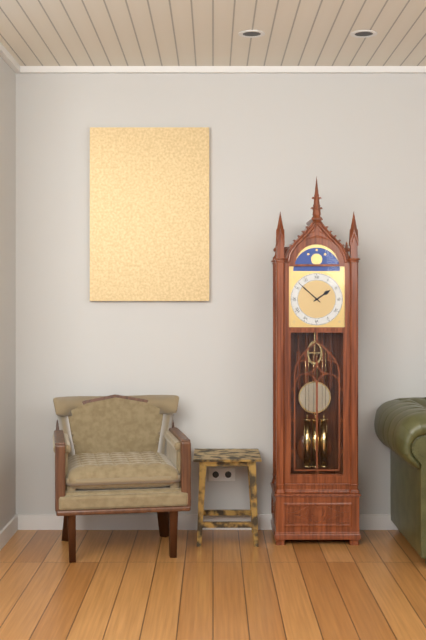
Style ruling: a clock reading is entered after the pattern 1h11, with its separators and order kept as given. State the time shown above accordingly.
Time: 1h52
